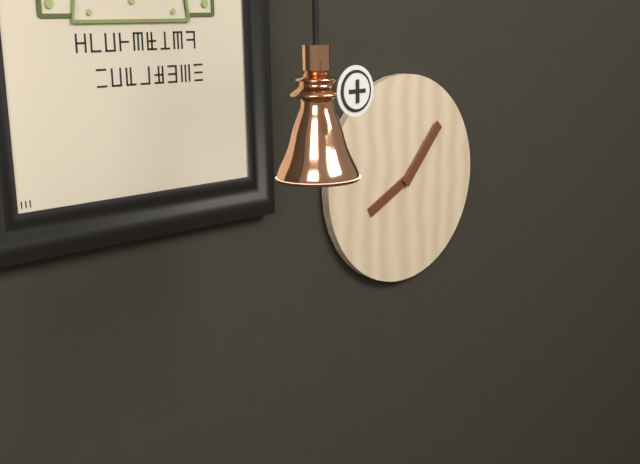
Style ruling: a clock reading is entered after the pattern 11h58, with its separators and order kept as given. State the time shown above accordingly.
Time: 8h07
